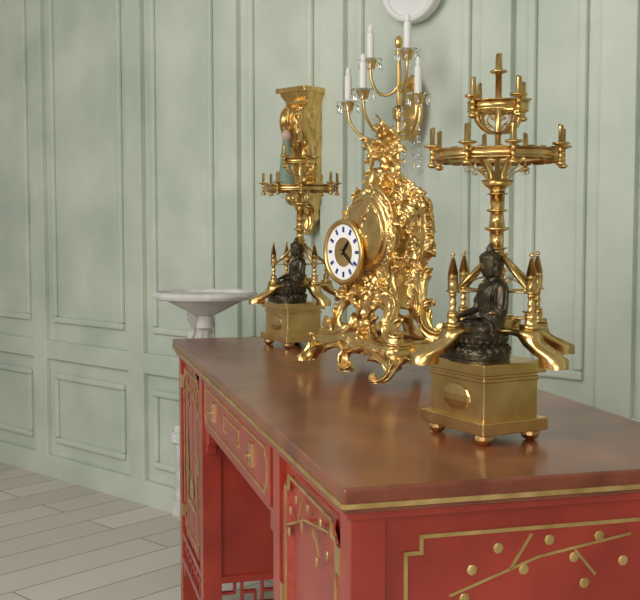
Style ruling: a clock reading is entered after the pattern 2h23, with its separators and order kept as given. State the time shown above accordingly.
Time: 1h21
